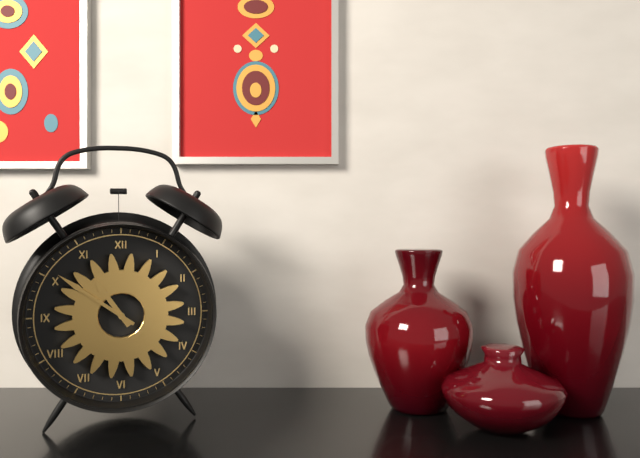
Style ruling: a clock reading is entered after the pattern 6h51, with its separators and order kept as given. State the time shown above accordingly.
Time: 10h51
